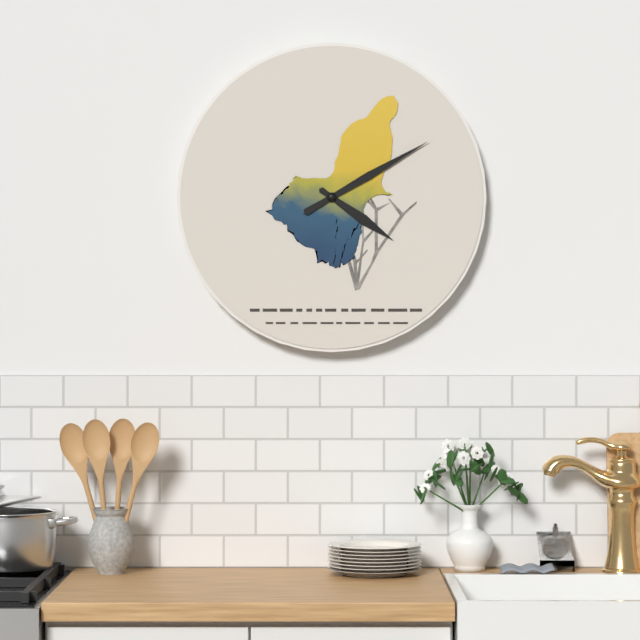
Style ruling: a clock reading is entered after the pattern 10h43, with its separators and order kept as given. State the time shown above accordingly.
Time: 4h10
